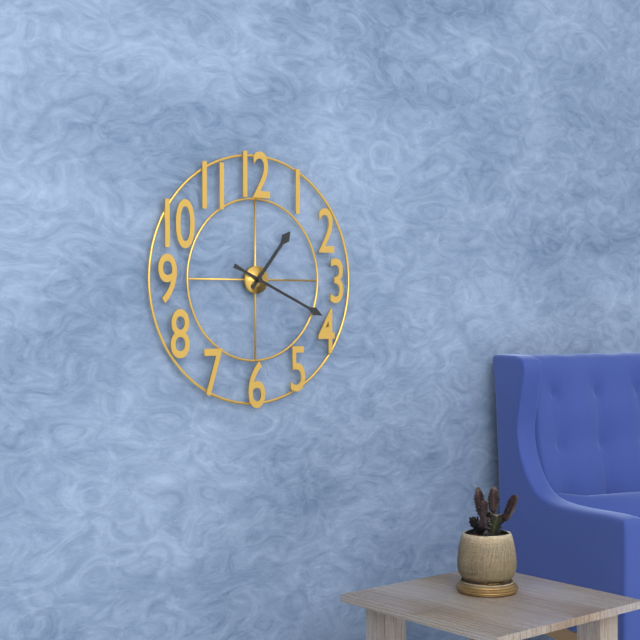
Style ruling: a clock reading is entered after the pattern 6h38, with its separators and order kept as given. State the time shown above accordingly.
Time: 1h19
